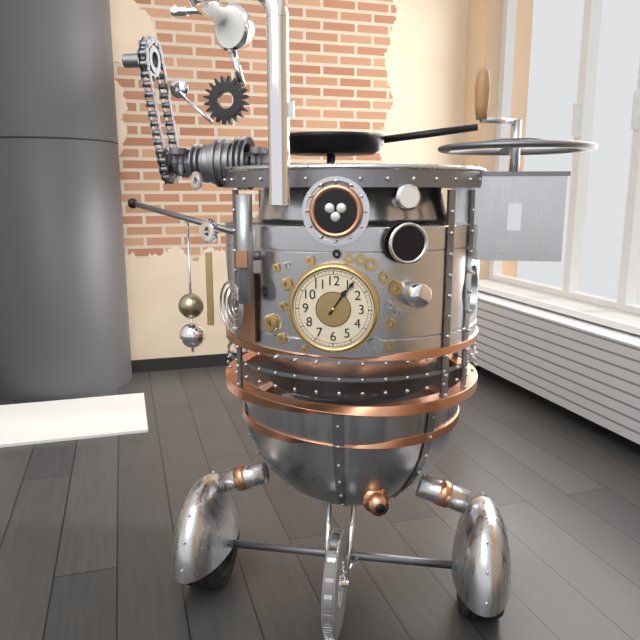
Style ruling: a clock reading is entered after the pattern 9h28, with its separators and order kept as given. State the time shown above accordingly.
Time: 1h06
